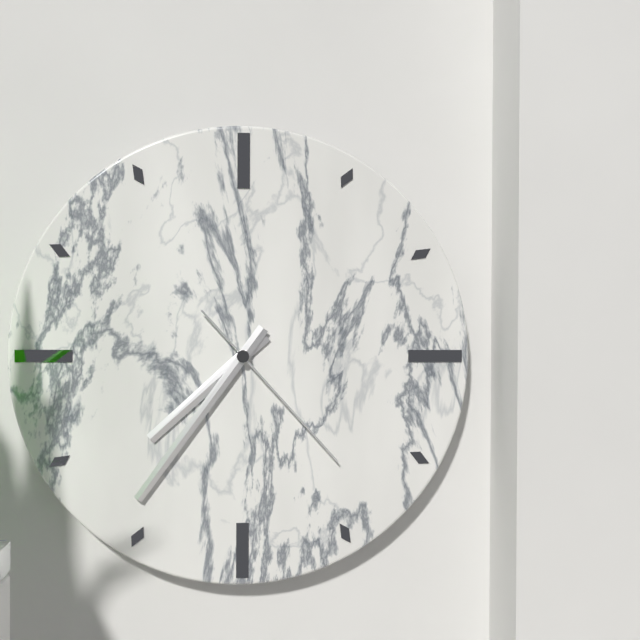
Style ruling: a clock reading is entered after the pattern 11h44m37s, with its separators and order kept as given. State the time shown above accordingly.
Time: 7h36m23s
